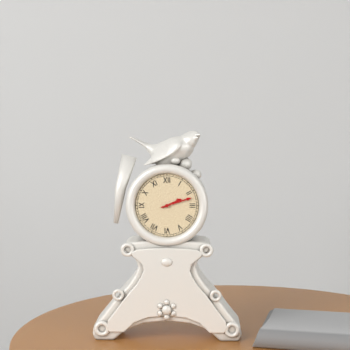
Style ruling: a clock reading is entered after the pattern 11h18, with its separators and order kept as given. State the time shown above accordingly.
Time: 2h12
